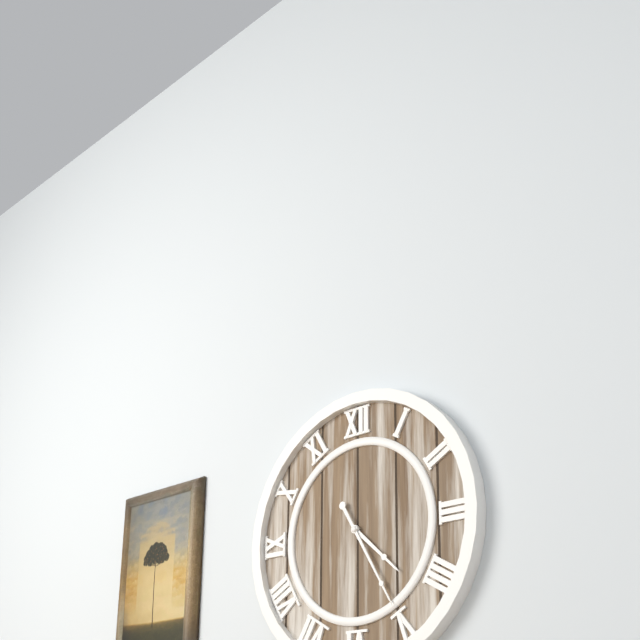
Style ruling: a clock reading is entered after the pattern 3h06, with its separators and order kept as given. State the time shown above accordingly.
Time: 4h25
